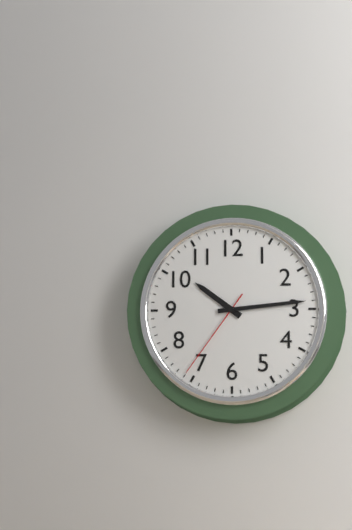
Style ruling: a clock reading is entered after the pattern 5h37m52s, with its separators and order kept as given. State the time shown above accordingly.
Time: 10h14m36s
